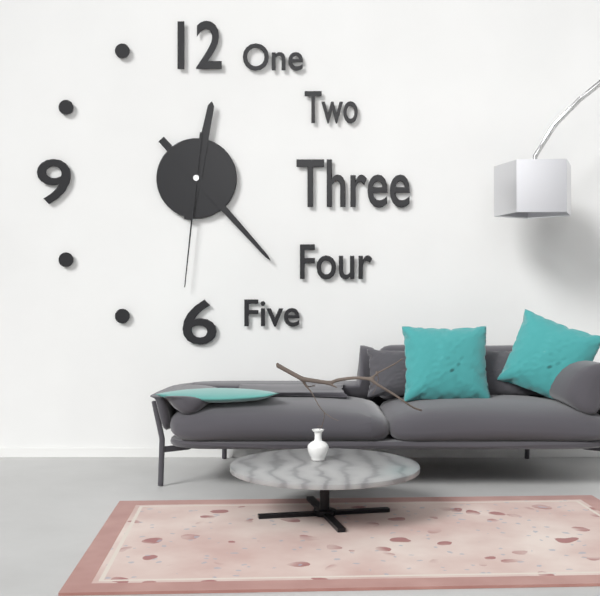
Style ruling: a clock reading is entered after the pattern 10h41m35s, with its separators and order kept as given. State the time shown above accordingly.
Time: 12h23m31s
